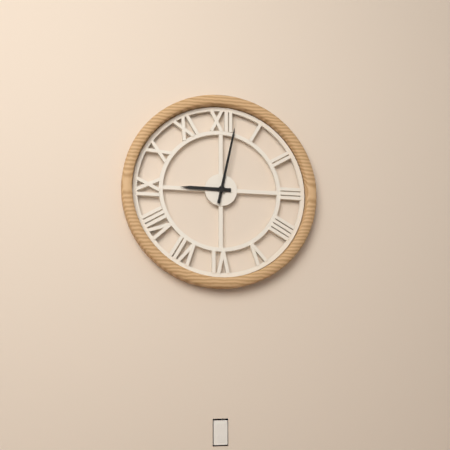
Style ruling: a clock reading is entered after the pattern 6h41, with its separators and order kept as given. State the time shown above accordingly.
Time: 9h02
